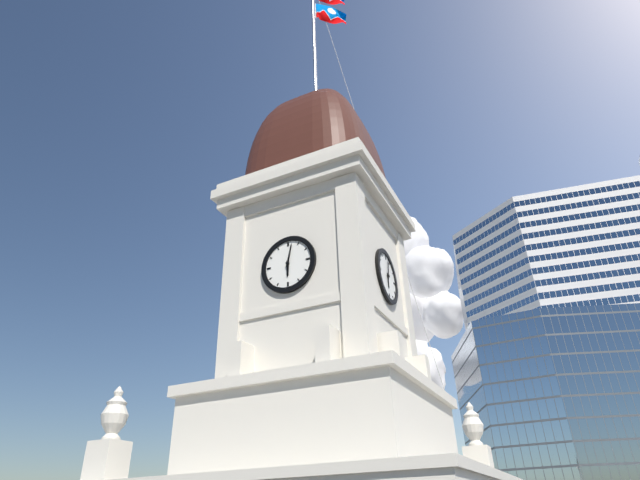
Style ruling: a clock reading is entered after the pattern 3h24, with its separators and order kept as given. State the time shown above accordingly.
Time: 6h02
